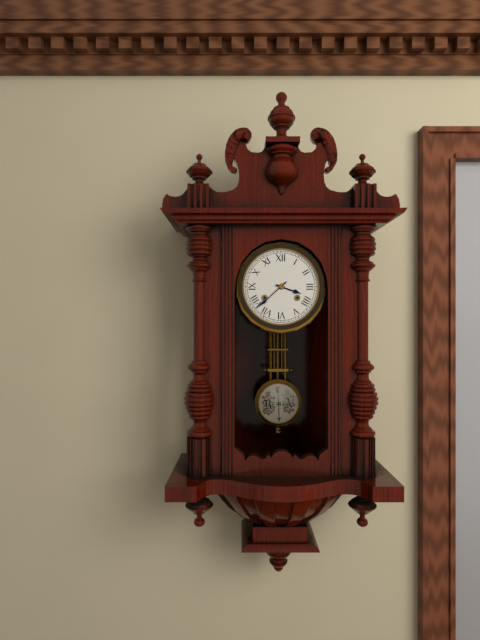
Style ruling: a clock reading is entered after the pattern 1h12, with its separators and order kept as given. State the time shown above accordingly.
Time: 3h38
